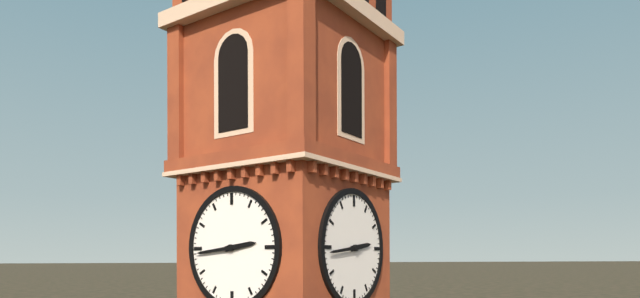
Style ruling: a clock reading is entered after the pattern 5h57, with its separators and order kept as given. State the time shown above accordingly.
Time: 2h44
